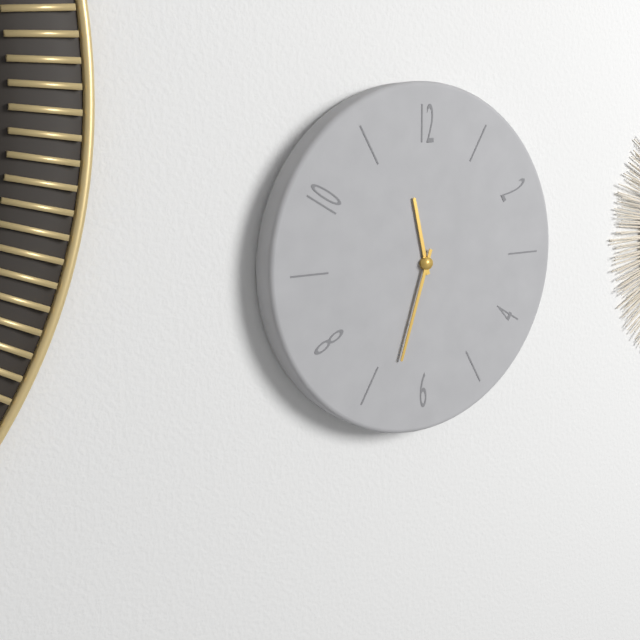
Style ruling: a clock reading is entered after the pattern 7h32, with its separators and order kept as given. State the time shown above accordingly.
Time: 11h33
